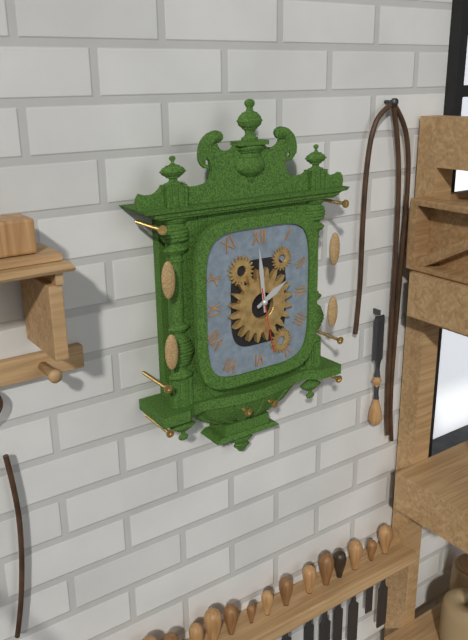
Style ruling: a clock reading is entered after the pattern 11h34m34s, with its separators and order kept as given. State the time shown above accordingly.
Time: 1h59m28s
